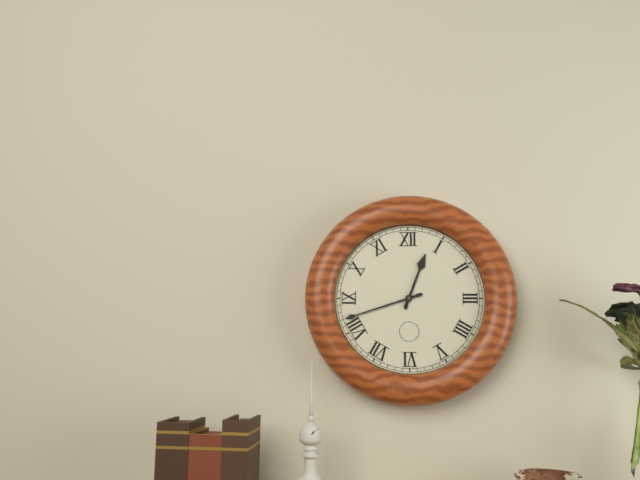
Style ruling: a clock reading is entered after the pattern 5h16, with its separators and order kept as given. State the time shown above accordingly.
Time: 12h42
